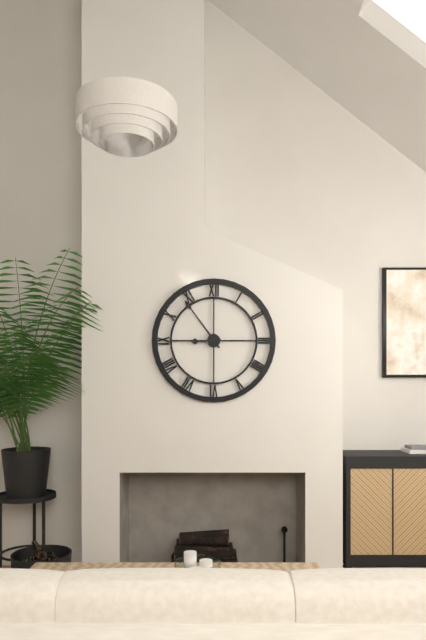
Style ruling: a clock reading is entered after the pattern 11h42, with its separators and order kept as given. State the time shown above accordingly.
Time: 8h54
